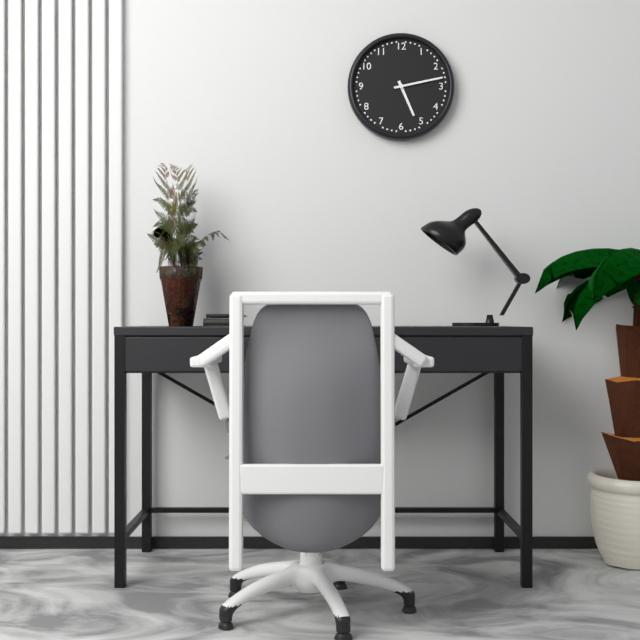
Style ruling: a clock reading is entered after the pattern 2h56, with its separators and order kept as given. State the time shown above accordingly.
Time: 5h13
